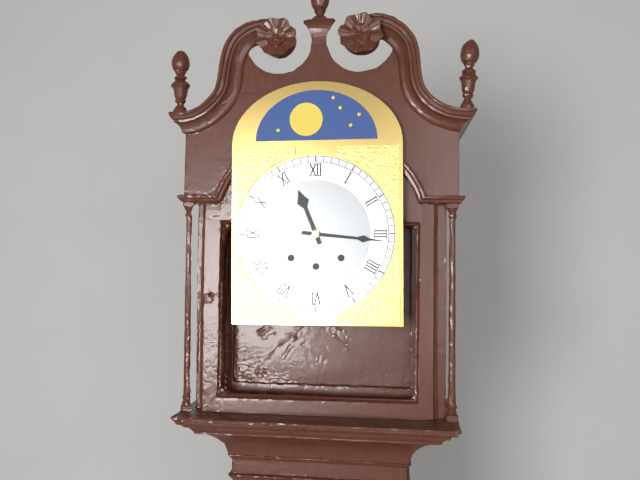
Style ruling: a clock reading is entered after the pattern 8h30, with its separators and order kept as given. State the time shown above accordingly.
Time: 11h16
